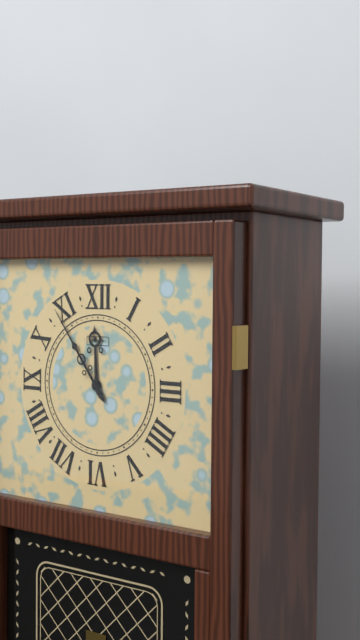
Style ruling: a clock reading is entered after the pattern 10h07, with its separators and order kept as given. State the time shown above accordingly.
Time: 11h54
